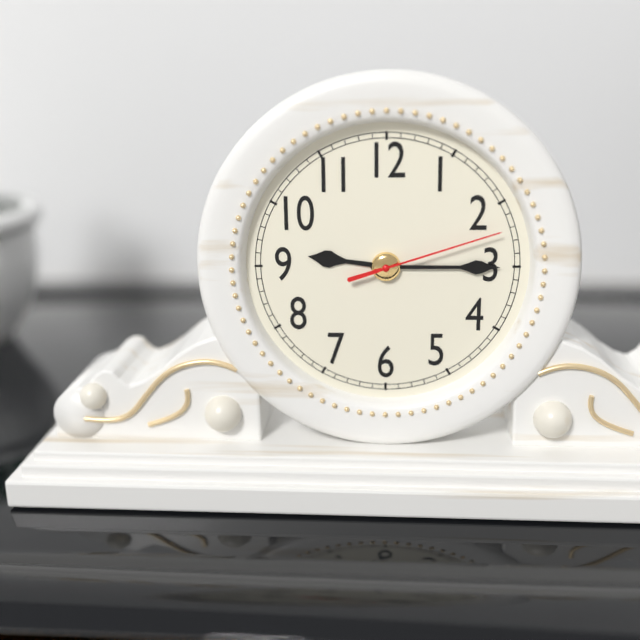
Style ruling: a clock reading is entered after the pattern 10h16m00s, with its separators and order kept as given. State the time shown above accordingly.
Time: 9h15m12s
